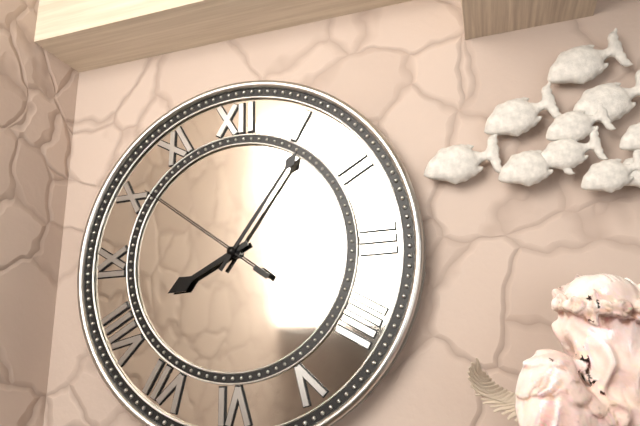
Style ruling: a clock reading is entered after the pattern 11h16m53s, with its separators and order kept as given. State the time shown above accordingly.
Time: 8h06m51s
